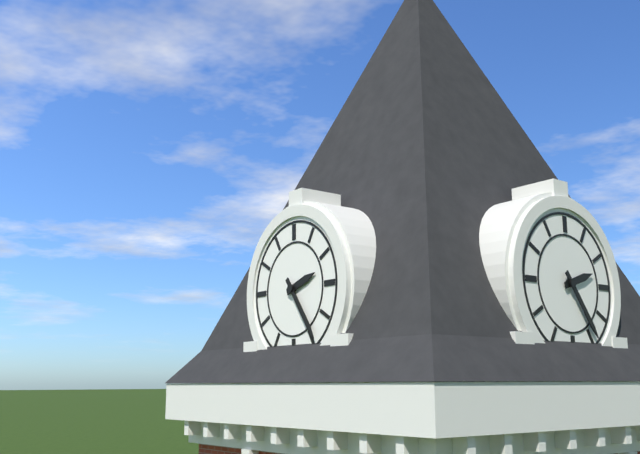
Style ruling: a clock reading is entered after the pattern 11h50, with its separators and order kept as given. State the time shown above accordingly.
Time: 2h24
